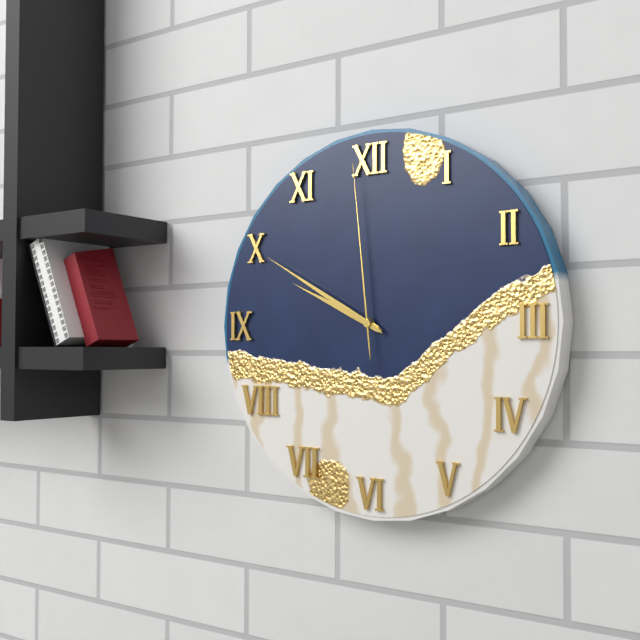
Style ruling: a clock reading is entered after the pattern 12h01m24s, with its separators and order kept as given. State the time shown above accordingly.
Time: 9h50m59s
